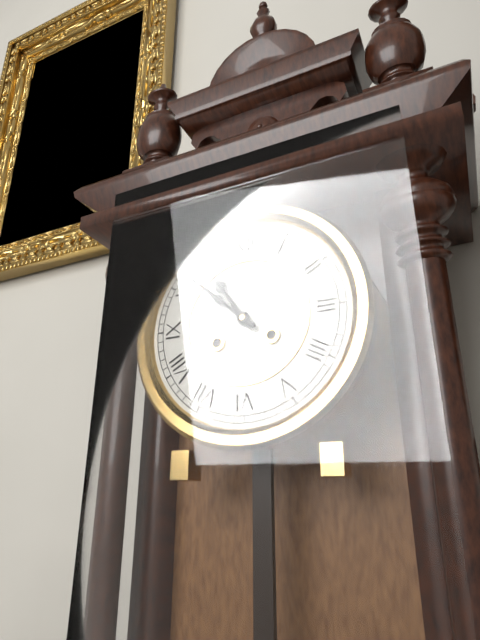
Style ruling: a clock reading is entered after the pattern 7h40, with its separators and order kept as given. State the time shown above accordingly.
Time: 10h52
